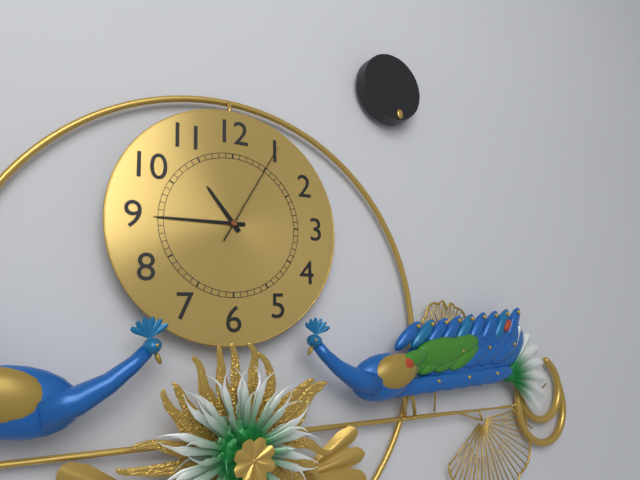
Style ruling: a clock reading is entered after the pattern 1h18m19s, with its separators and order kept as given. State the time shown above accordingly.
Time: 10h45m05s
